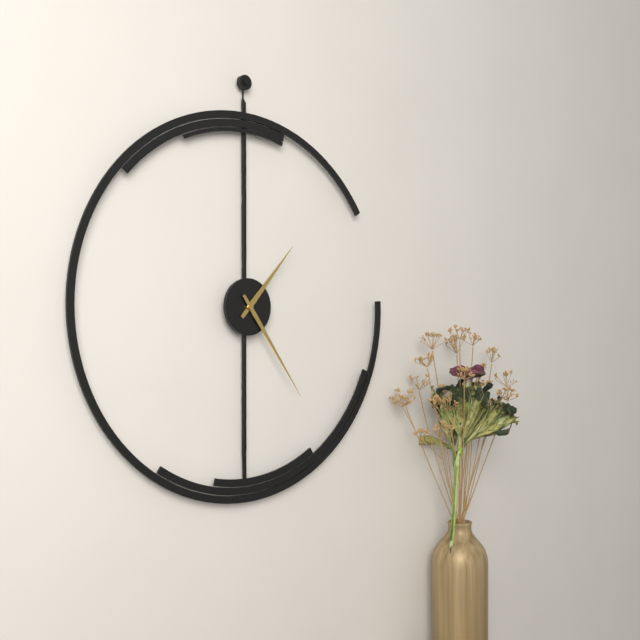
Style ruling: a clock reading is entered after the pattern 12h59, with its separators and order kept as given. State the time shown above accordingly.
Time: 1h24
